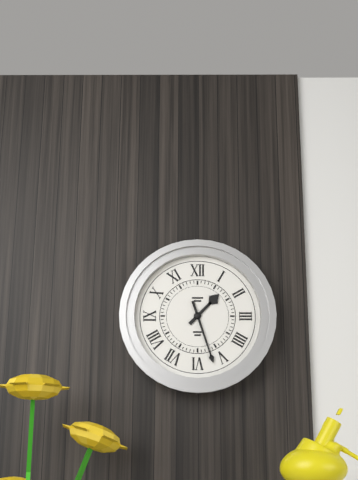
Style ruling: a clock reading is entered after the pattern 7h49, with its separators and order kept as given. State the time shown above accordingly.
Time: 1h27
